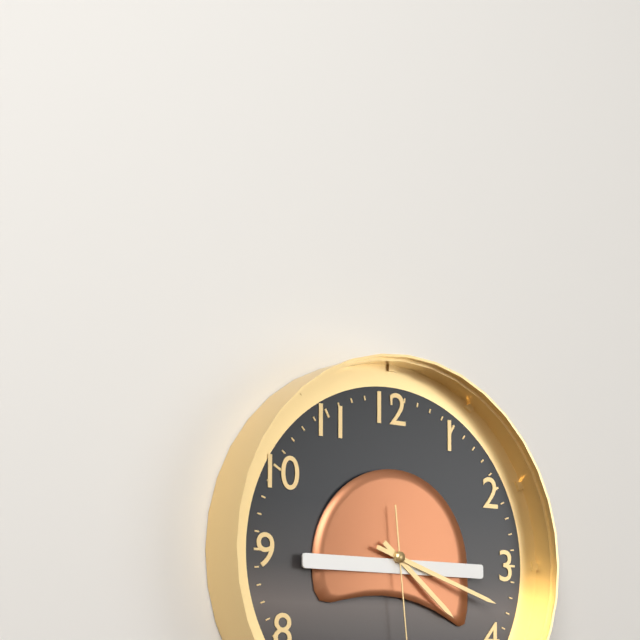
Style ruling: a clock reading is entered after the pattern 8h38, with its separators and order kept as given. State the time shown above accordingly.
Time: 4h18
